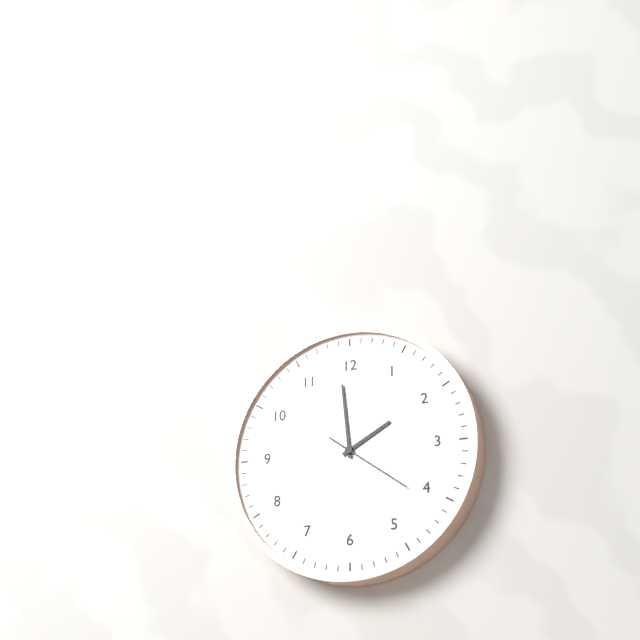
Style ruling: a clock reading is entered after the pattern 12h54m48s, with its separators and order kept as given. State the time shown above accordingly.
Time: 1h59m21s
